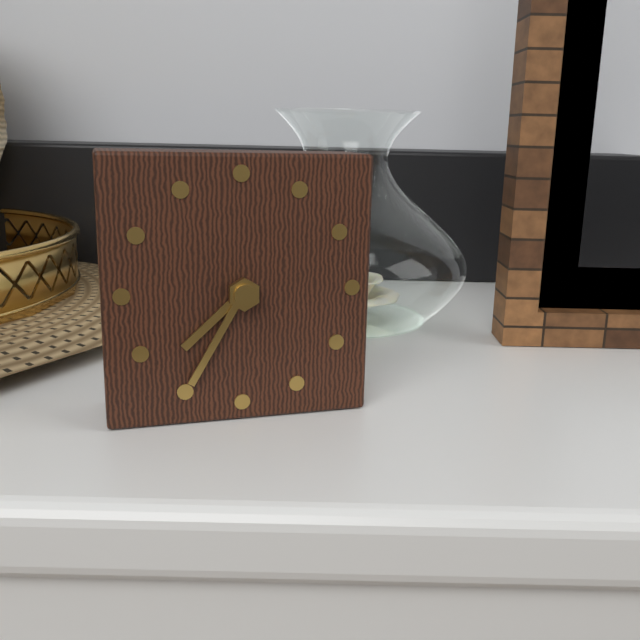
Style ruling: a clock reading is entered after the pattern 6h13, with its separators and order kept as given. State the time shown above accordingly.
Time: 7h35
